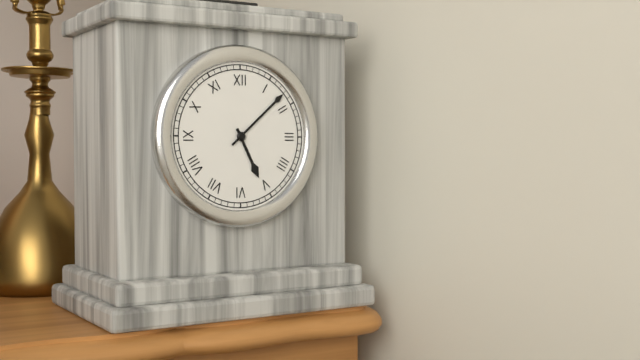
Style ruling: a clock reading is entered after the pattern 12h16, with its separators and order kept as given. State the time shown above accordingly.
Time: 5h08
